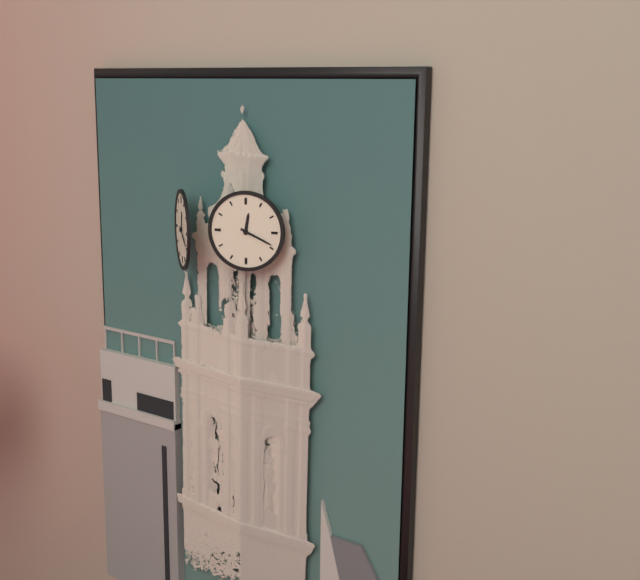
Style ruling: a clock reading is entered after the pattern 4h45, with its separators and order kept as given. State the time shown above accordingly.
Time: 12h19
